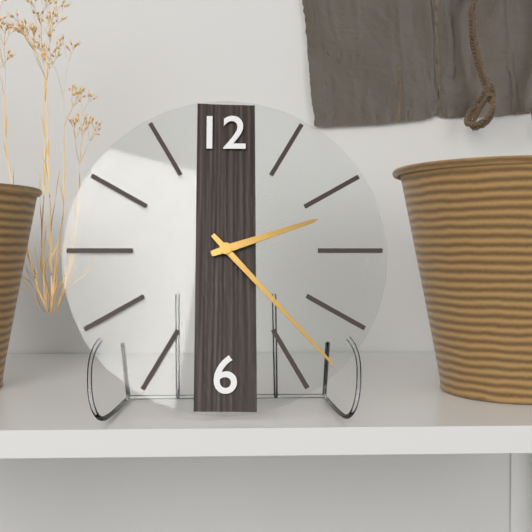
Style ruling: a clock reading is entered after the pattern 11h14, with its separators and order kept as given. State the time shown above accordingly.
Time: 2h23
